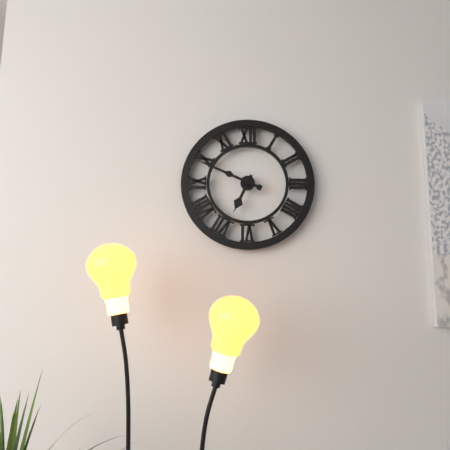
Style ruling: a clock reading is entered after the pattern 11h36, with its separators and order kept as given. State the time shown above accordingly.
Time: 6h49
